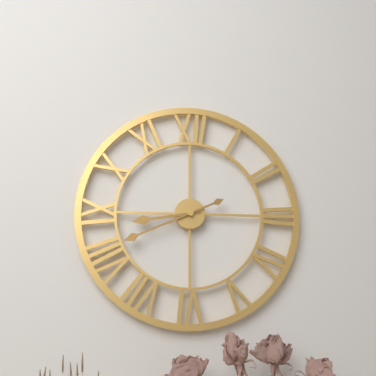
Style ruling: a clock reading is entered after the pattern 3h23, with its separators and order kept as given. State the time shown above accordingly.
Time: 8h41
